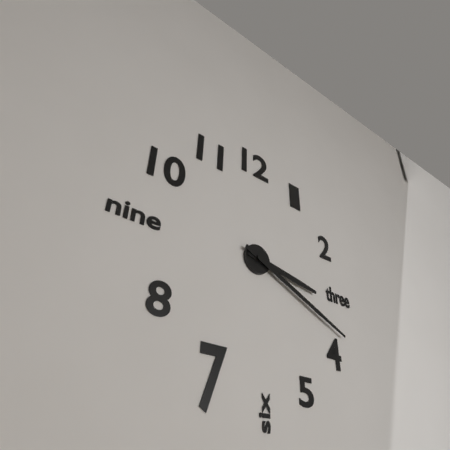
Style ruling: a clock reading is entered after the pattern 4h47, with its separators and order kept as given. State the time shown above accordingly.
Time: 3h19
